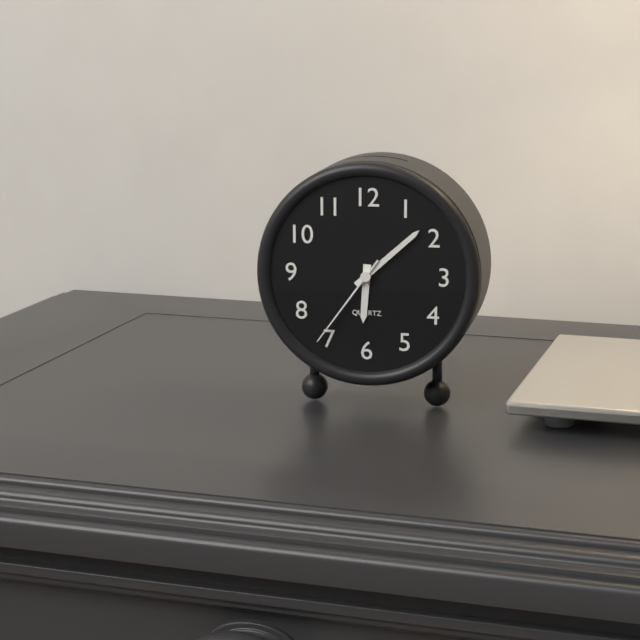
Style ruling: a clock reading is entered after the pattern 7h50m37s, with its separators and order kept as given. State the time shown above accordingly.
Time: 6h08m36s
